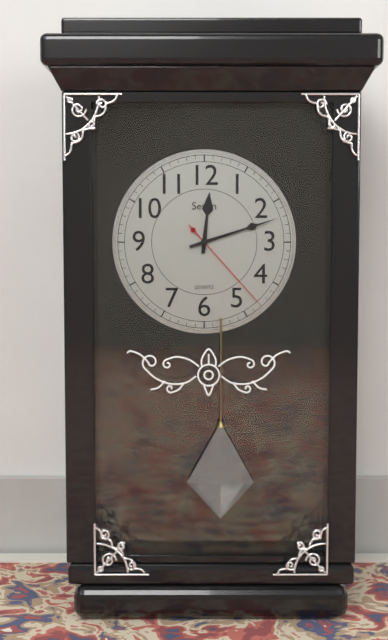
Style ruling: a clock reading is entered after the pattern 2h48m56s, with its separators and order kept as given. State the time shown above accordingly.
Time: 12h12m23s
